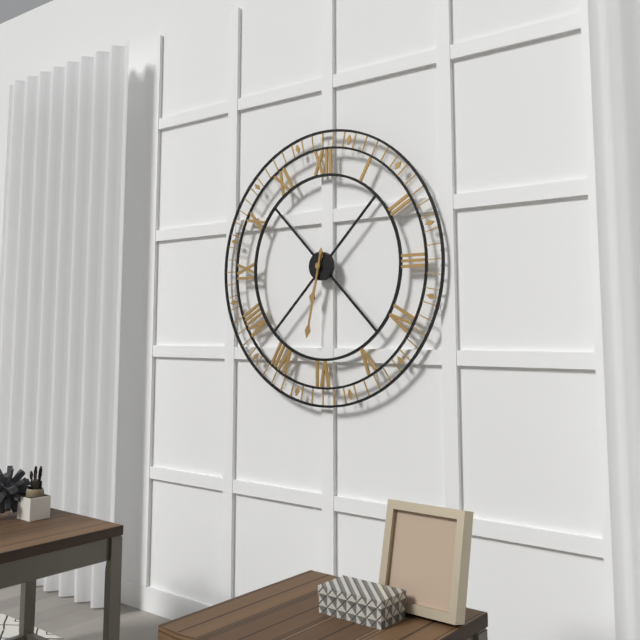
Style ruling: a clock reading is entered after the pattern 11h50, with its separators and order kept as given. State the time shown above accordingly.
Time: 6h32
